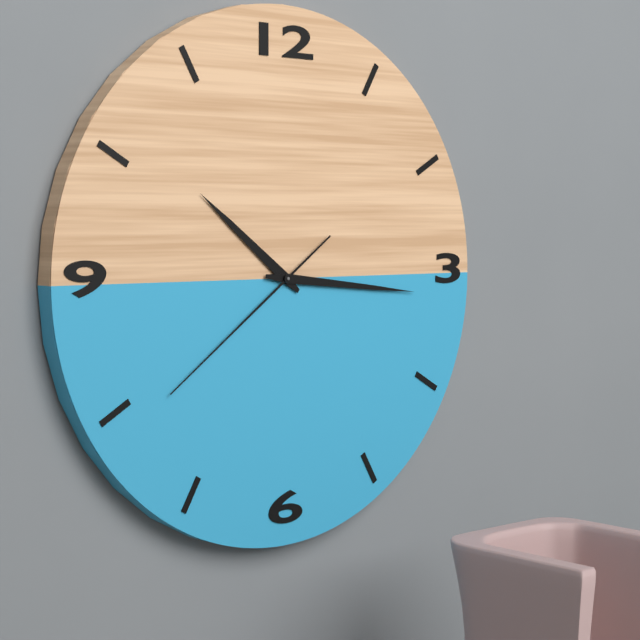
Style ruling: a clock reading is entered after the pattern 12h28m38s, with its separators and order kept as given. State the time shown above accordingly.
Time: 10h16m39s
